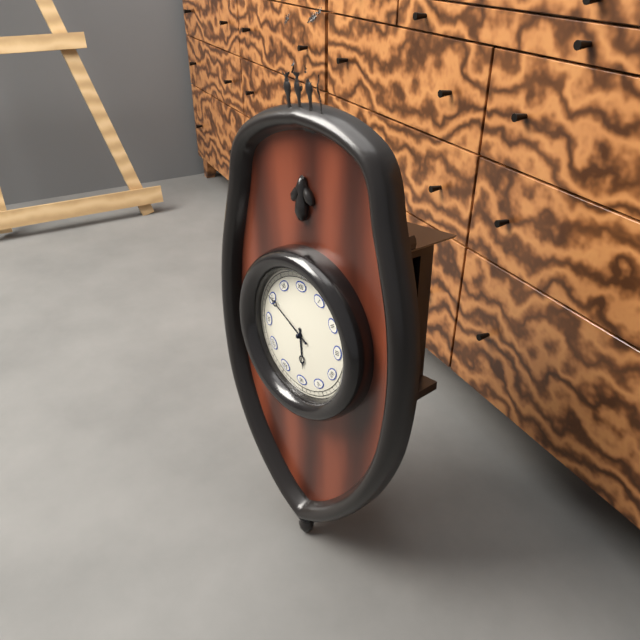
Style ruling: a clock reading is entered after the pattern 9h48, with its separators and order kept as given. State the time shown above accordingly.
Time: 5h50
